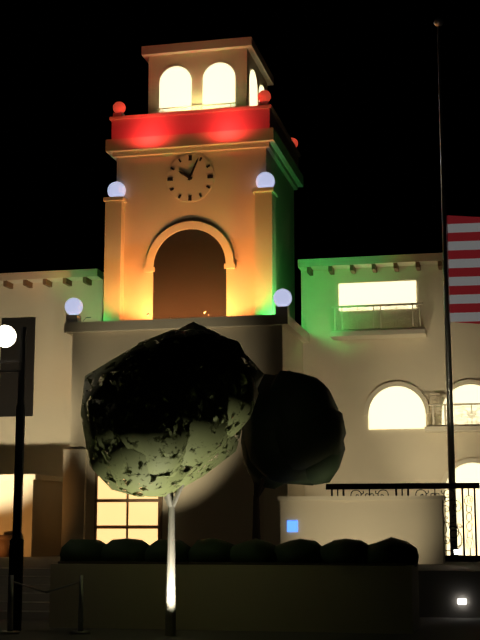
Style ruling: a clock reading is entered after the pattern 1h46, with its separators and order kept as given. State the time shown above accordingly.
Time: 10h04
